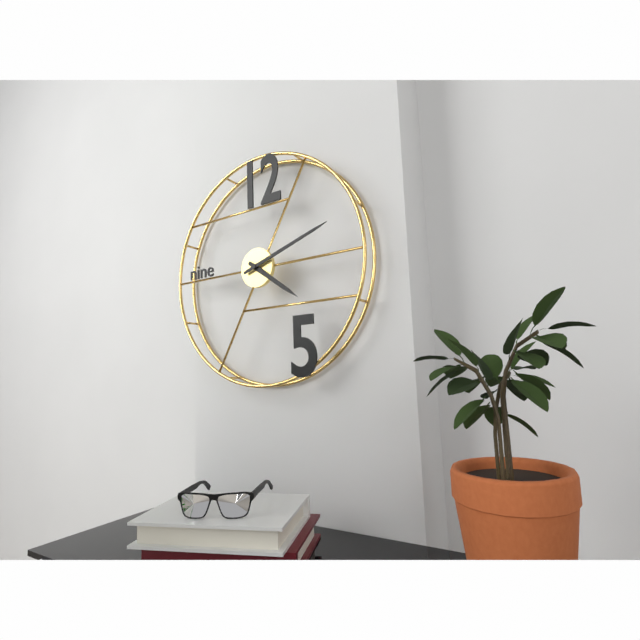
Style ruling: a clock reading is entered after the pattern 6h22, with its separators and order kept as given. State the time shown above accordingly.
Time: 4h12
